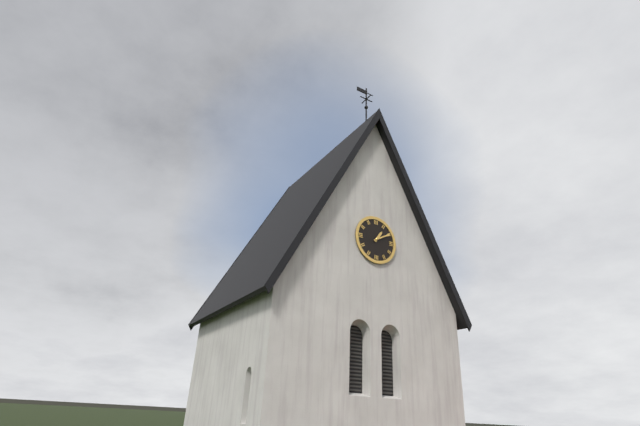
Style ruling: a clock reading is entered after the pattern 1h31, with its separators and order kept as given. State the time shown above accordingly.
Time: 1h10
